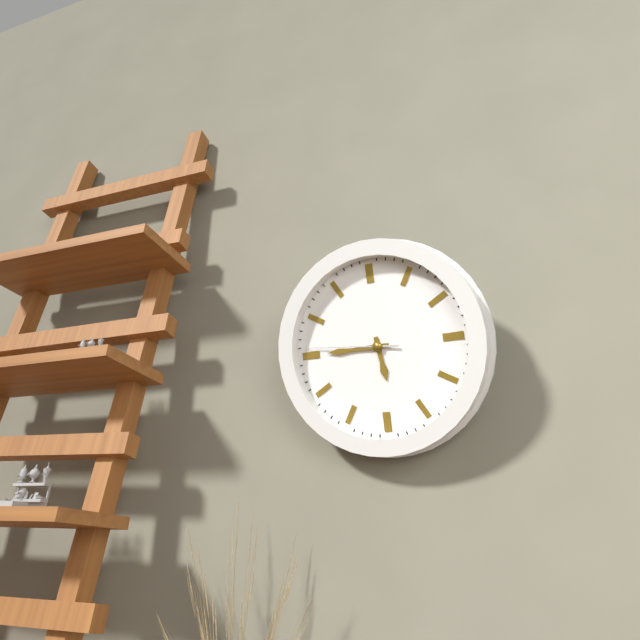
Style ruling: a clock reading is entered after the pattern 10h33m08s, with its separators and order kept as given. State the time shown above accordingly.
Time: 5h45m46s
